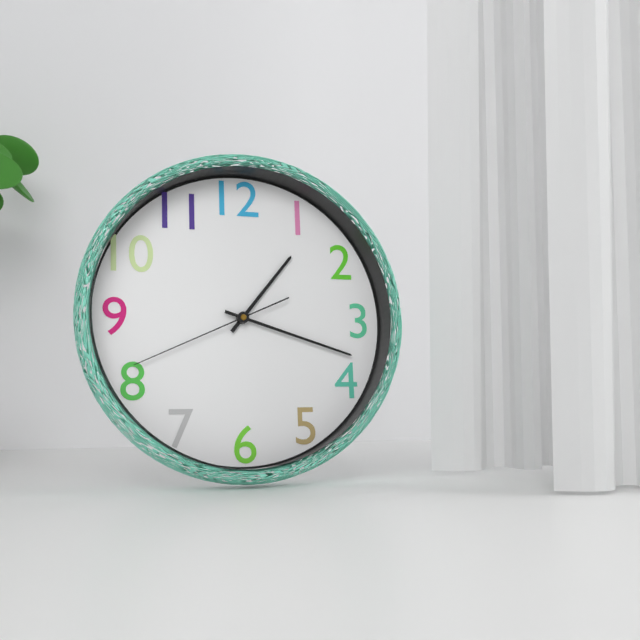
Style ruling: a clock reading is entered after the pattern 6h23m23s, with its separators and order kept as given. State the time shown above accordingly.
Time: 1h18m41s
